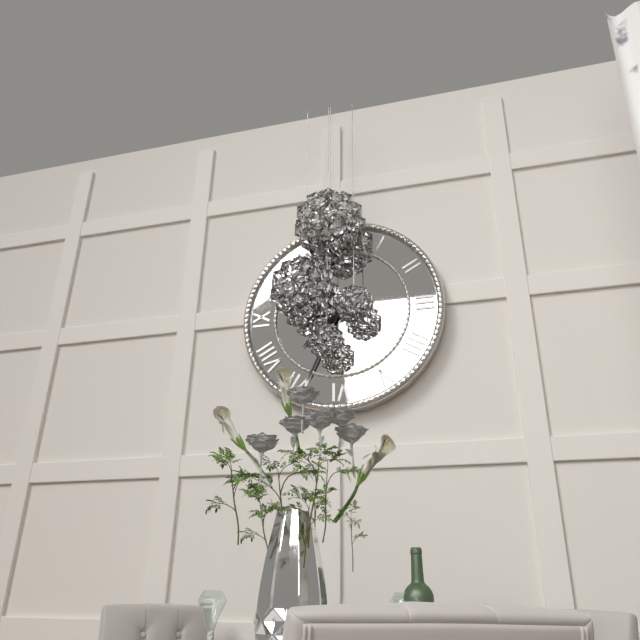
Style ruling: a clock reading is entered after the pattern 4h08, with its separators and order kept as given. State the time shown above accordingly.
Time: 7h34
